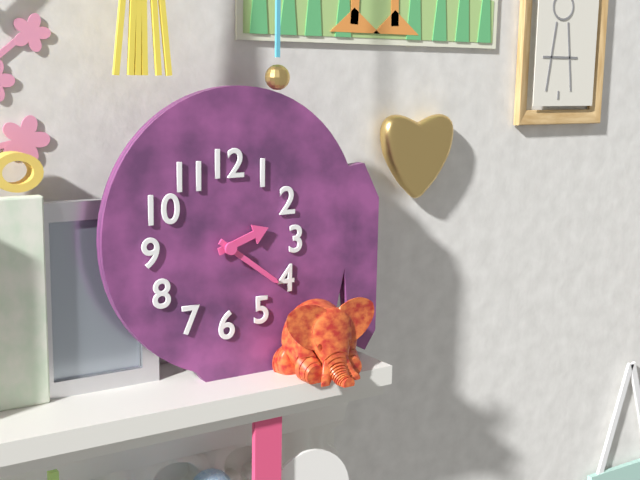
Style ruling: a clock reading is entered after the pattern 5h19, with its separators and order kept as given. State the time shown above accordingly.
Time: 2h21
